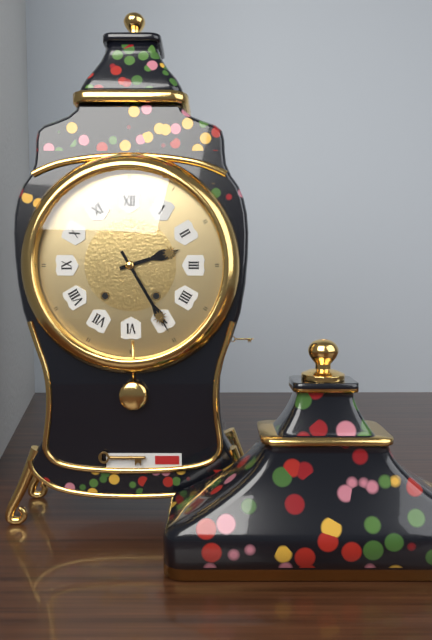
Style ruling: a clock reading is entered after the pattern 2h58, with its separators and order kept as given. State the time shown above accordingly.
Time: 2h25
